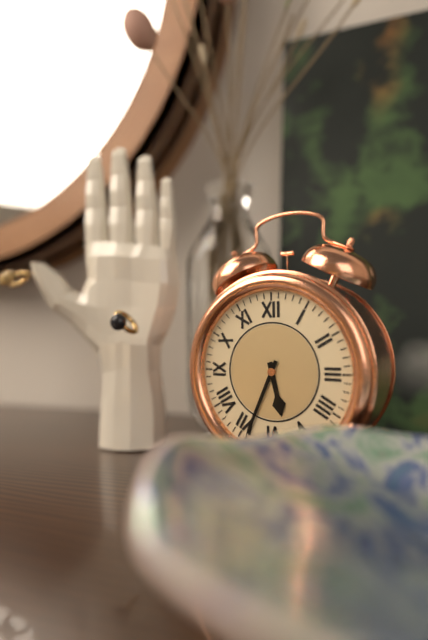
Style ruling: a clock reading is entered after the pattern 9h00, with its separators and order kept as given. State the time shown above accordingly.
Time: 5h34
